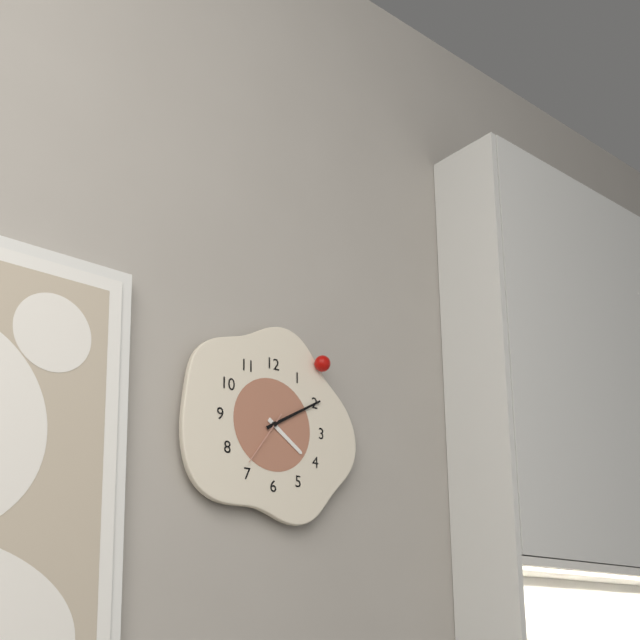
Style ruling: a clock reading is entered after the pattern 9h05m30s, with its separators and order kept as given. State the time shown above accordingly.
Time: 4h10m36s
